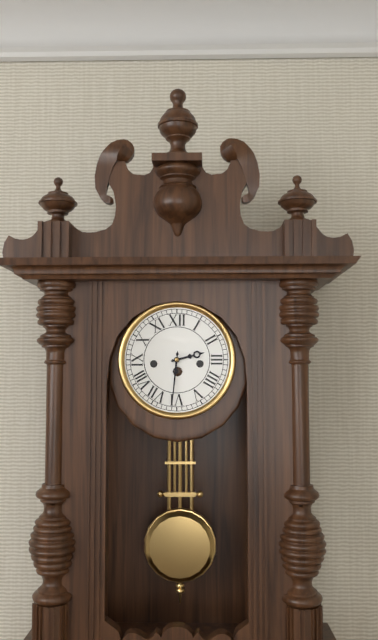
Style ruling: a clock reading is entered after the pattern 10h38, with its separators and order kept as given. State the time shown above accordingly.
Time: 2h31
